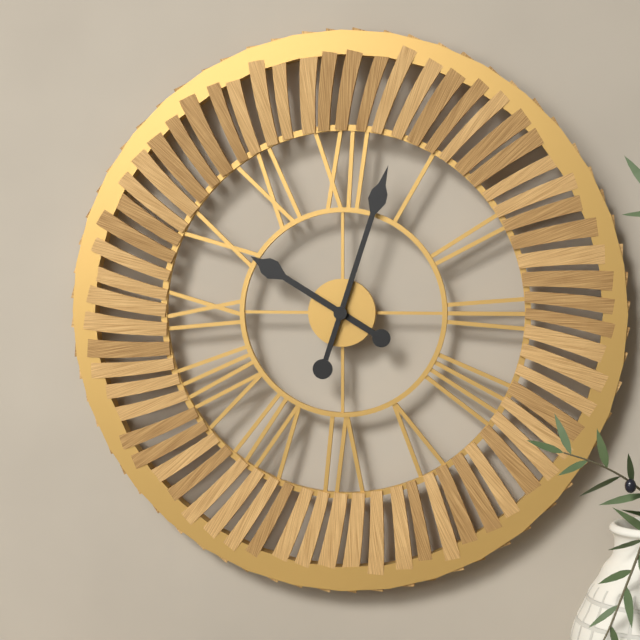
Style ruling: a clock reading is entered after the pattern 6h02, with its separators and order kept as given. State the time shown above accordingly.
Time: 10h03
